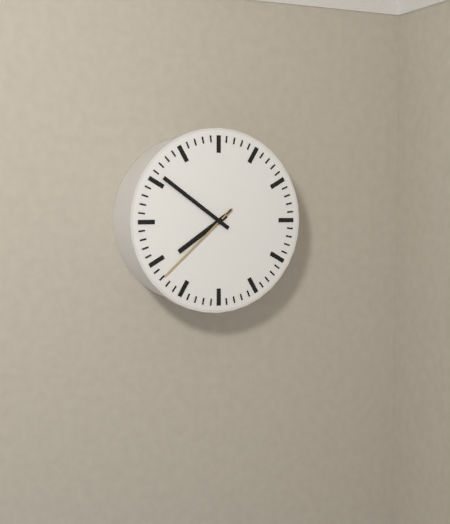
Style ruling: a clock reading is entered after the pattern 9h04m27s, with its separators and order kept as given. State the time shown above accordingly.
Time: 7h51m38s
